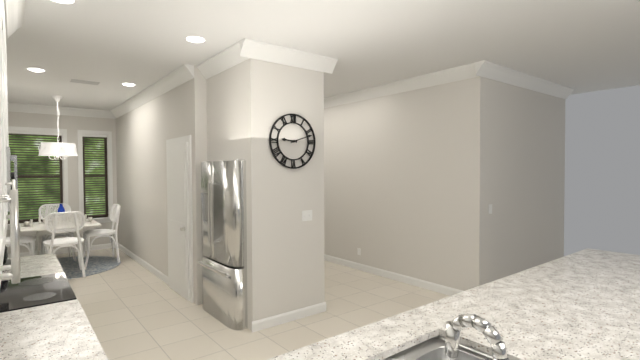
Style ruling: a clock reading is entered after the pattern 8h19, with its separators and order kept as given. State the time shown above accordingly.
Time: 9h12
